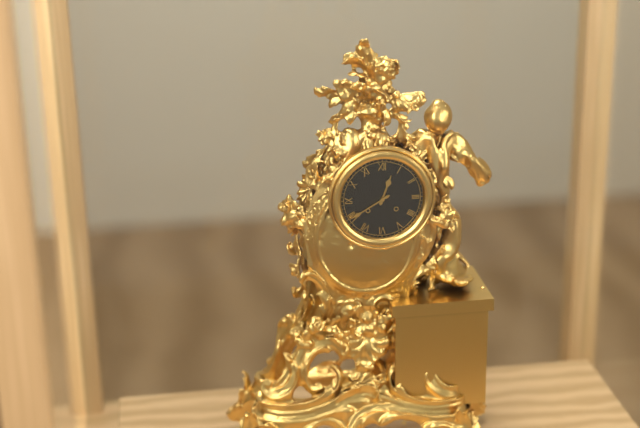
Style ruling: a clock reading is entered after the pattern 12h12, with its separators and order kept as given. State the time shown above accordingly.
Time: 12h40
